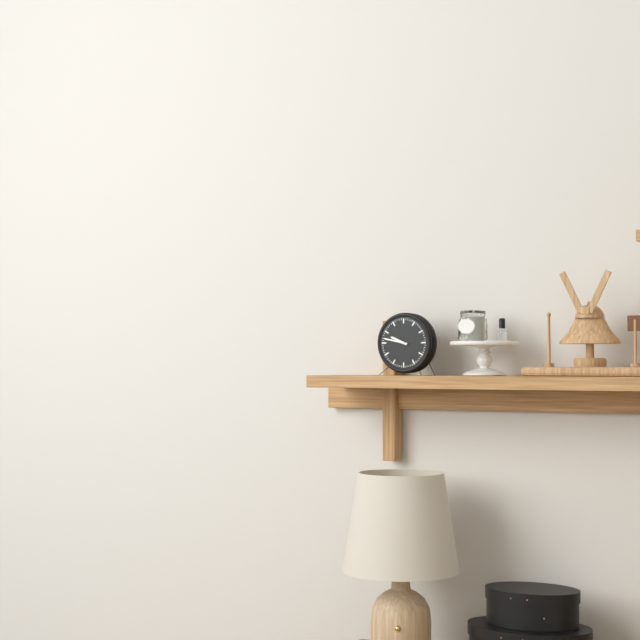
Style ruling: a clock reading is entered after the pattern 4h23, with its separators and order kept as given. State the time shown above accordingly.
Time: 9h47
